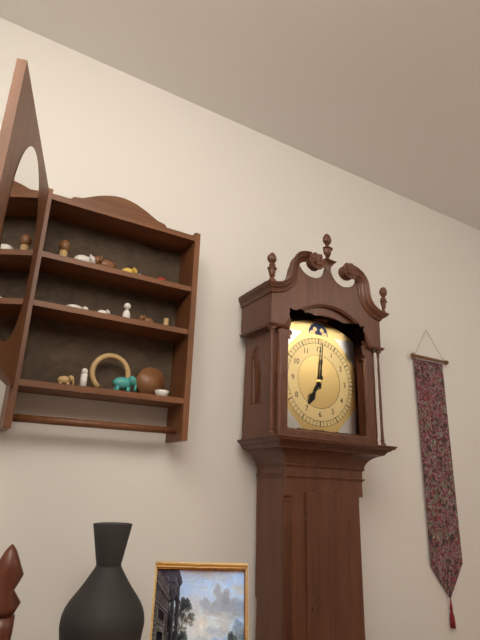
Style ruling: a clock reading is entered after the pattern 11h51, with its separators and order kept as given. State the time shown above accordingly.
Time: 7h01
